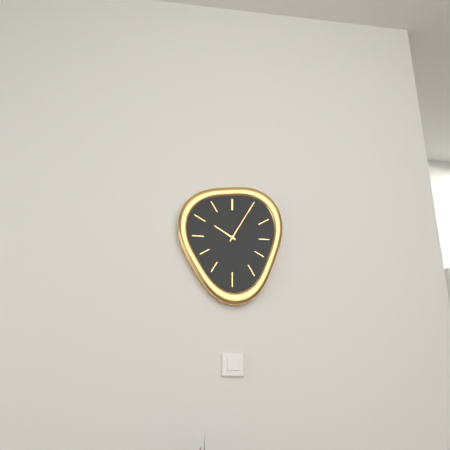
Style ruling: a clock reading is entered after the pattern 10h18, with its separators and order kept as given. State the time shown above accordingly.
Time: 10h05
